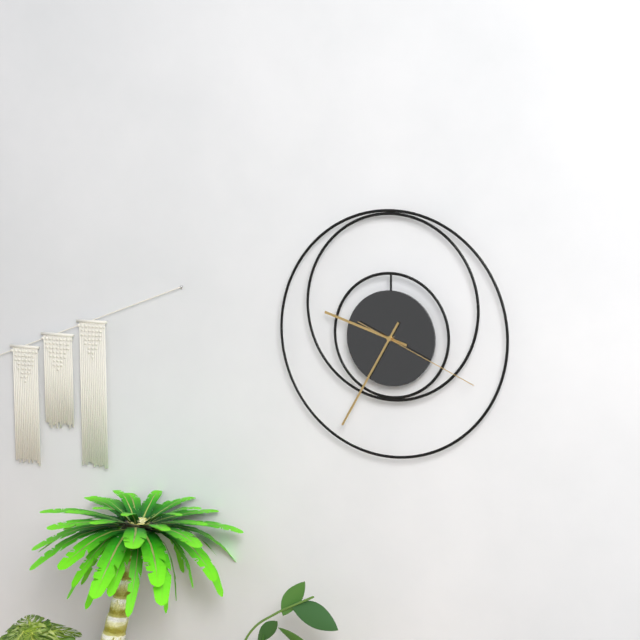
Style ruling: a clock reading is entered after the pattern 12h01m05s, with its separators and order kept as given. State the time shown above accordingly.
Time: 9h35m19s
